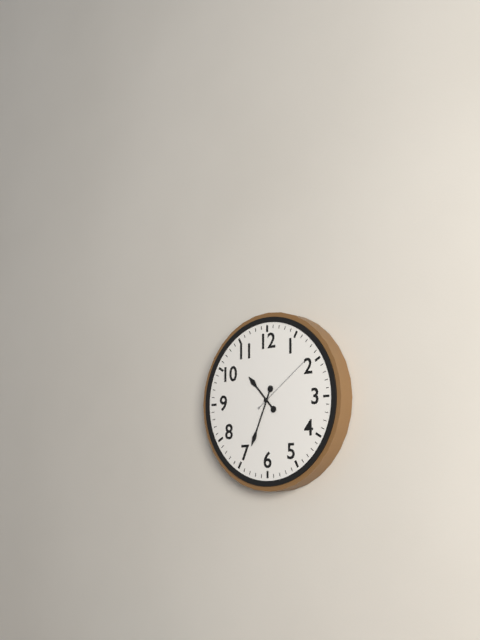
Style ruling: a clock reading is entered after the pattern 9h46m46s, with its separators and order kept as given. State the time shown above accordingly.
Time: 10h34m09s
